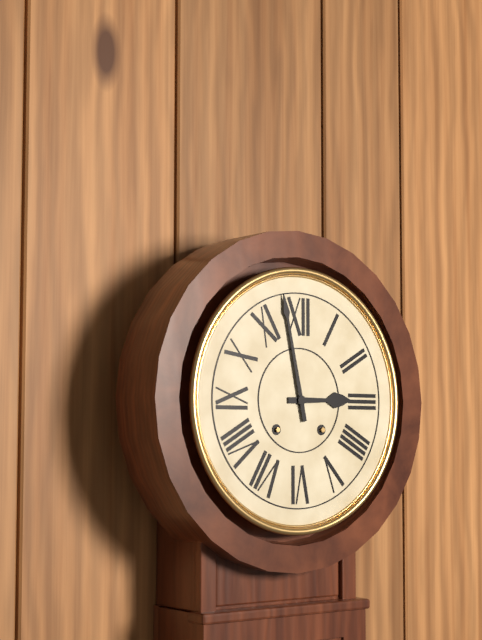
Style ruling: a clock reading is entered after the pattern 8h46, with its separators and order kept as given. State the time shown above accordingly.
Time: 2h58
